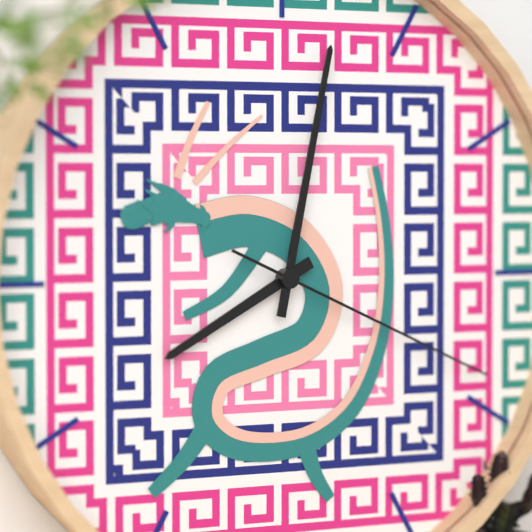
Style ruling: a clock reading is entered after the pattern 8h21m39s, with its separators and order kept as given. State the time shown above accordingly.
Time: 8h02m19s
